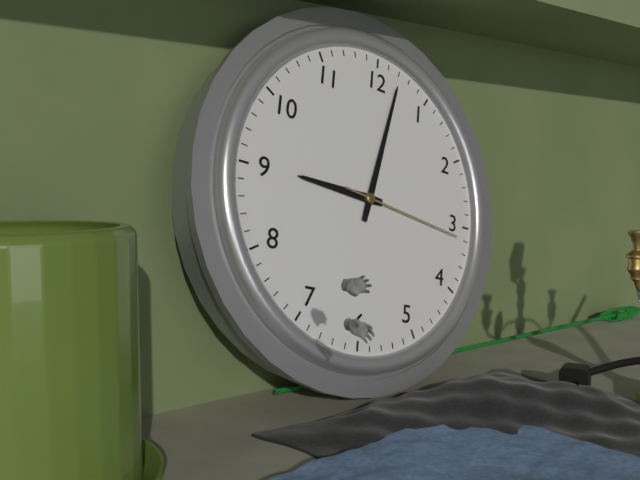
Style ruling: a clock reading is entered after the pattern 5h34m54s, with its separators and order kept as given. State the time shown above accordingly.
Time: 9h02m16s
